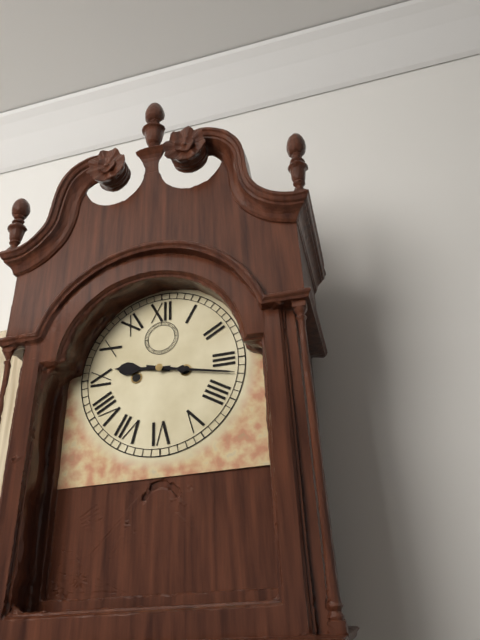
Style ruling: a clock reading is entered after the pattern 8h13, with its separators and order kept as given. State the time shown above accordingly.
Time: 9h17
